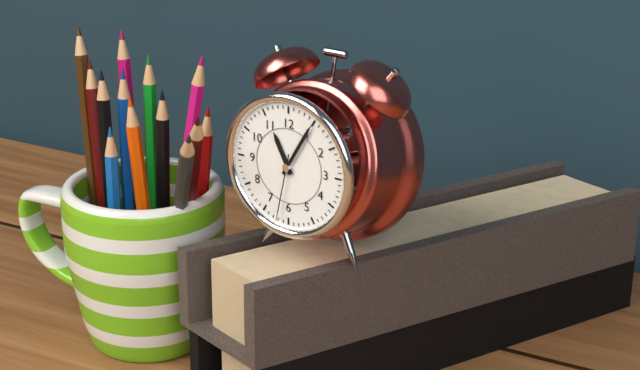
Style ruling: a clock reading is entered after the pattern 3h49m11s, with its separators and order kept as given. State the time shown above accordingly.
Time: 11h05m32s
